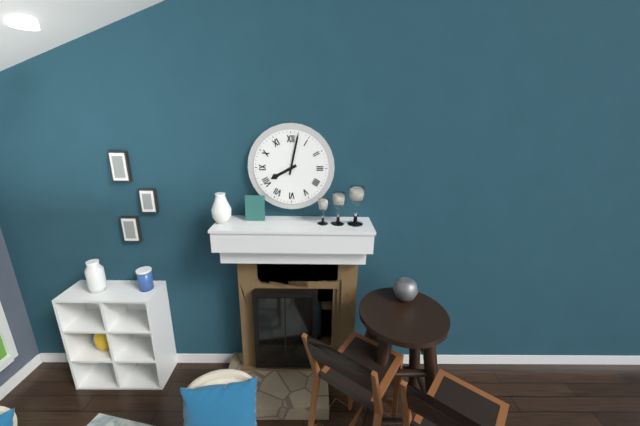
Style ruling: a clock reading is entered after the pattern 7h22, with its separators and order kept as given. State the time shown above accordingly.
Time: 8h02
